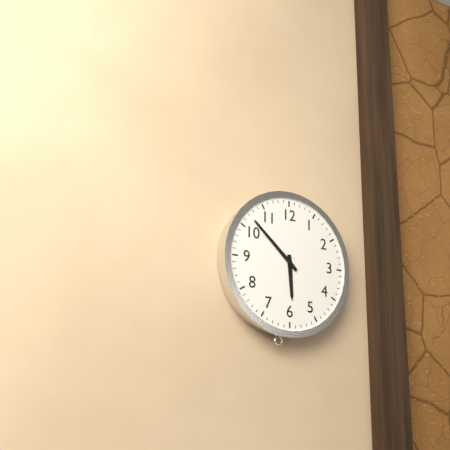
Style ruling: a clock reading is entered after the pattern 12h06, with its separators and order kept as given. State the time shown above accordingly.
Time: 5h52
